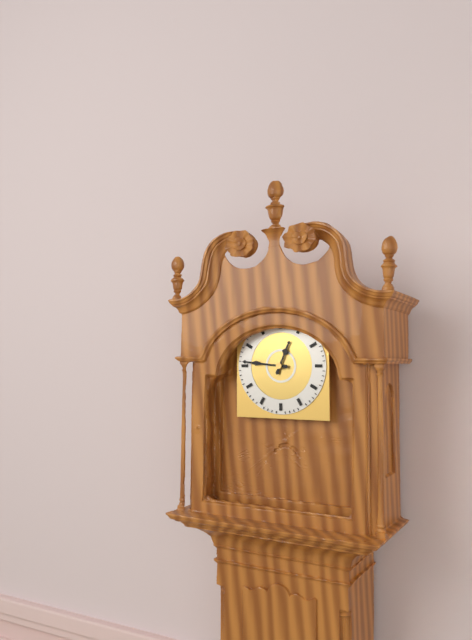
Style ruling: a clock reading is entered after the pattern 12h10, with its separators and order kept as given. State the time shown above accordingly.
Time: 12h46
